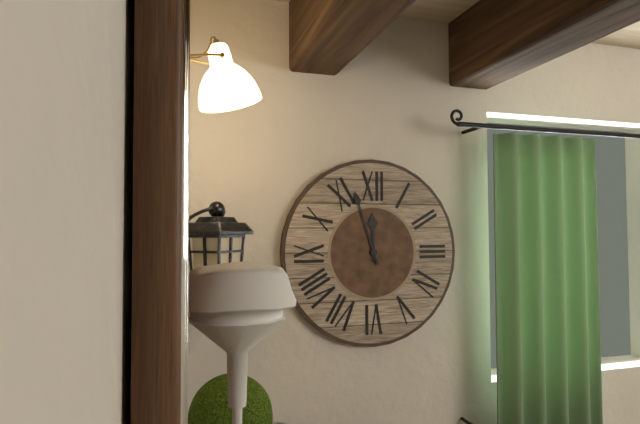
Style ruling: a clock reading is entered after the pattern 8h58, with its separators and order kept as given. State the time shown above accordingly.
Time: 11h57
